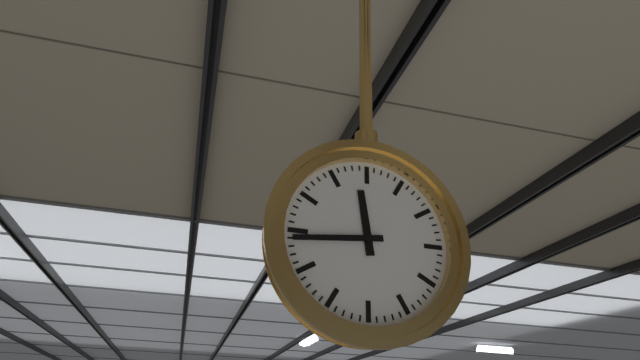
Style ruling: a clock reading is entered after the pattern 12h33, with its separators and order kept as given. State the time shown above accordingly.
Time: 11h44
